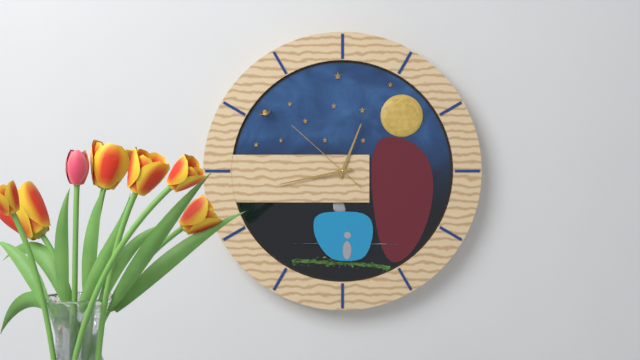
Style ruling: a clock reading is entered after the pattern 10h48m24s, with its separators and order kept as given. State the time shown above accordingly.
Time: 12h43m52s
